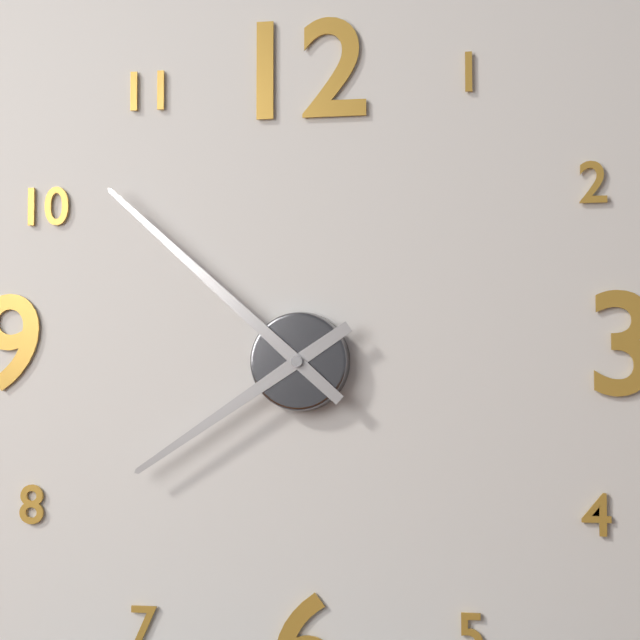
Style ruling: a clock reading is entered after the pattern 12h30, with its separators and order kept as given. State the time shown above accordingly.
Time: 7h52
